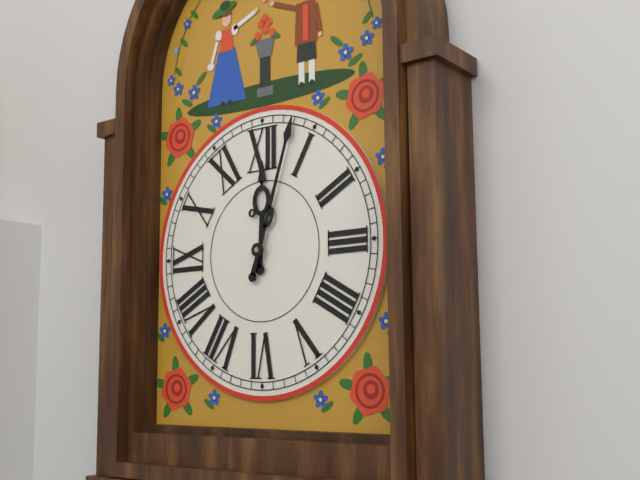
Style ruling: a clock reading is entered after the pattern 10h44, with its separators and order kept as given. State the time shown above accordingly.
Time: 12h03
